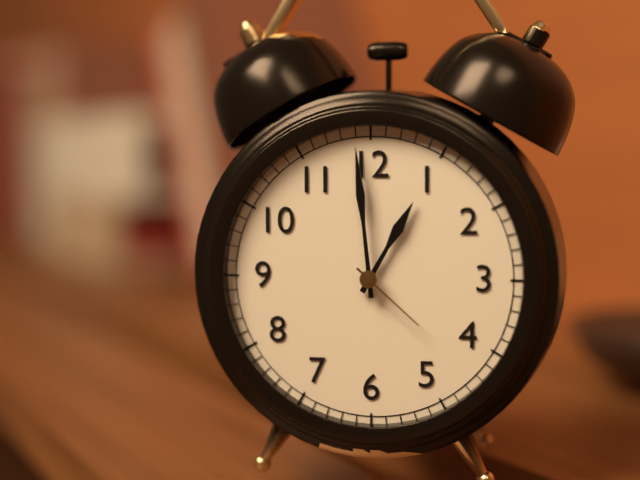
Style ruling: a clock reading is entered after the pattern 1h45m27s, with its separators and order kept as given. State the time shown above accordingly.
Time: 12h59m22s
